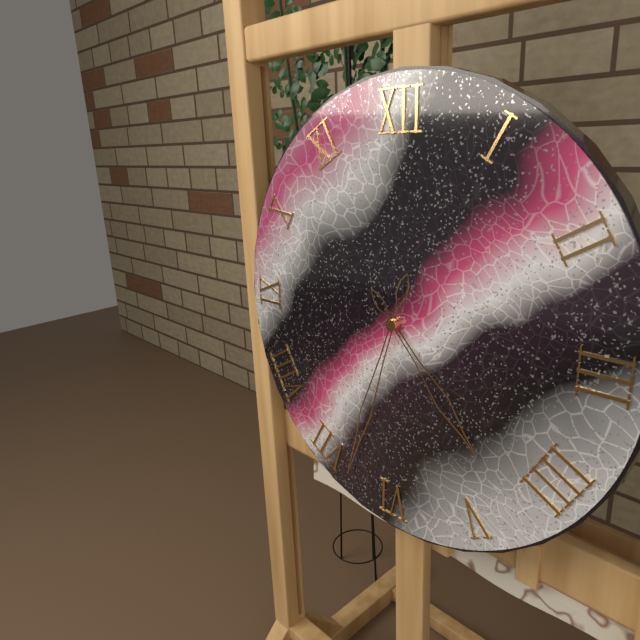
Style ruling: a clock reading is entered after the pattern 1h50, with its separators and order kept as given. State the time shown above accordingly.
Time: 4h33
